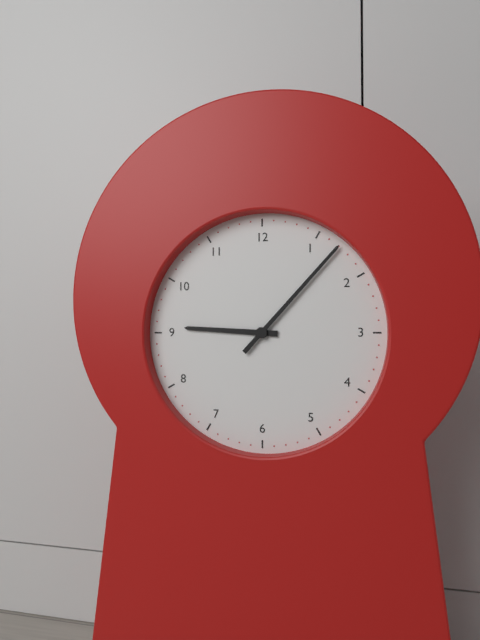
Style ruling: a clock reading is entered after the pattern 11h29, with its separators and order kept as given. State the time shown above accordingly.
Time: 9h07
